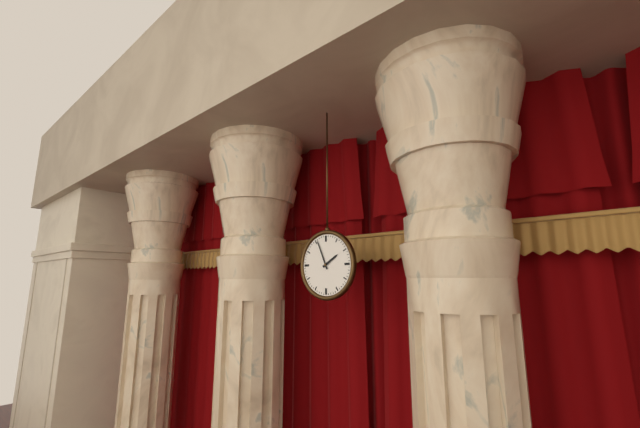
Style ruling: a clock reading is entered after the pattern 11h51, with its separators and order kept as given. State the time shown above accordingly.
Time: 1h56
